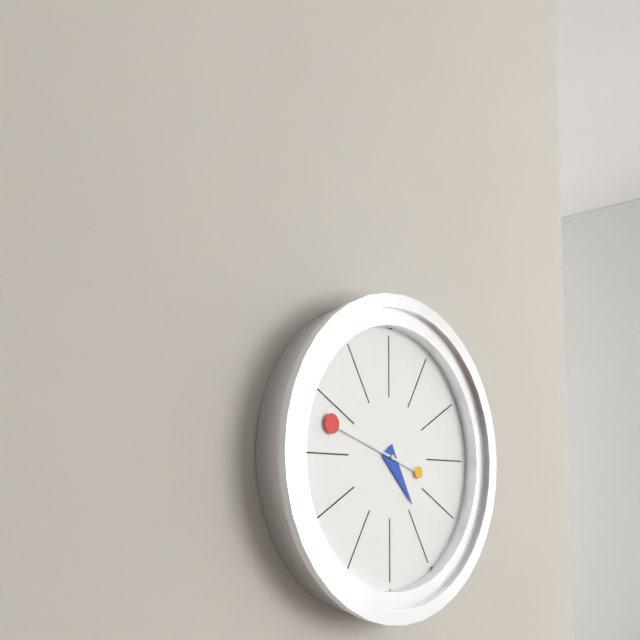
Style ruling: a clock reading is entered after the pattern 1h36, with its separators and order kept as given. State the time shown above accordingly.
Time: 4h48
